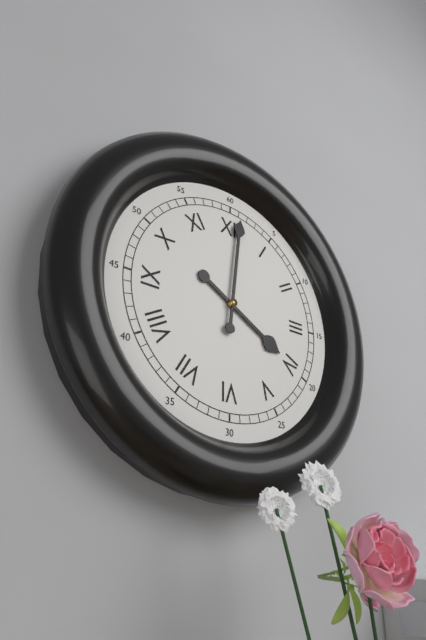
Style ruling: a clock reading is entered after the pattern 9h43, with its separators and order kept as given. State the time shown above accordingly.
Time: 4h01
